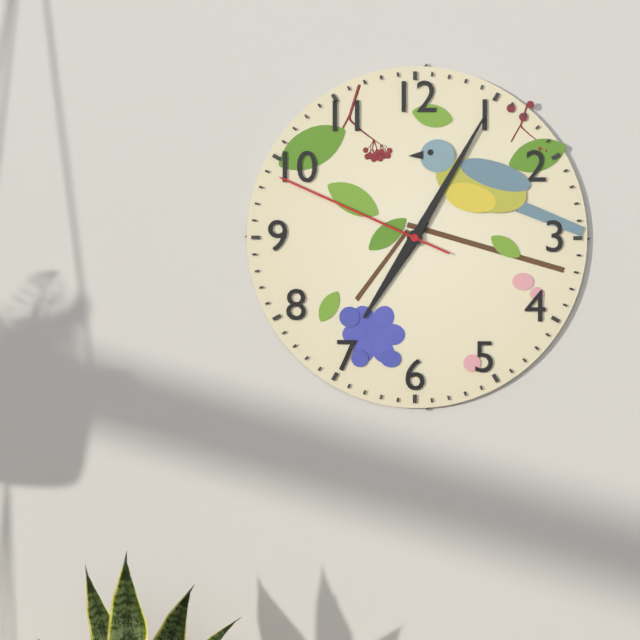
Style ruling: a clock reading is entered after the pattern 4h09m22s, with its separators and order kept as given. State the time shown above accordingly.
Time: 7h05m49s
